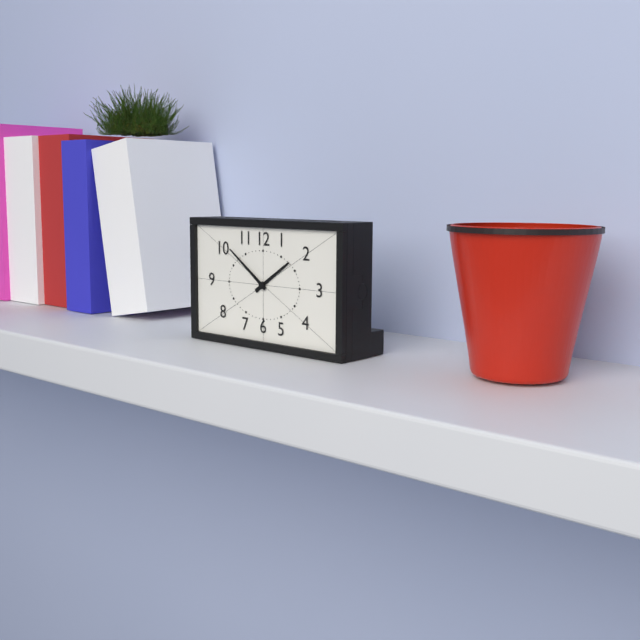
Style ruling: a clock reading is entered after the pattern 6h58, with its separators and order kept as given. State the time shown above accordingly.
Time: 1h51
